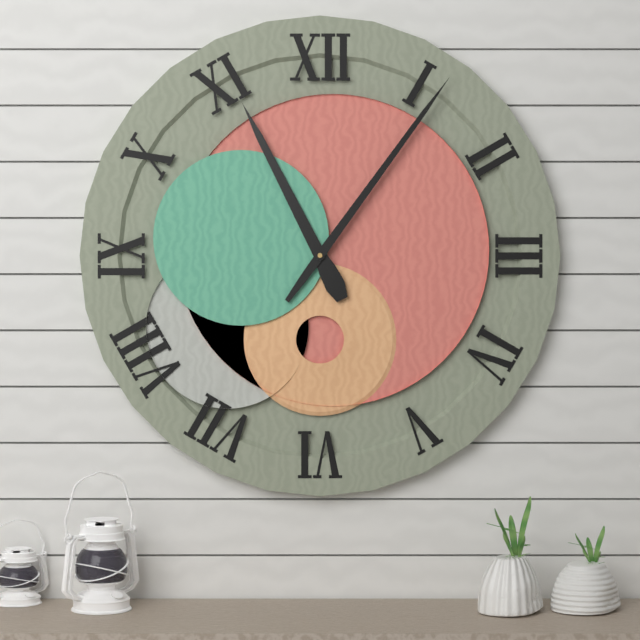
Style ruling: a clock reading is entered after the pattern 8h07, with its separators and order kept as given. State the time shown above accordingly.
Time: 11h06
